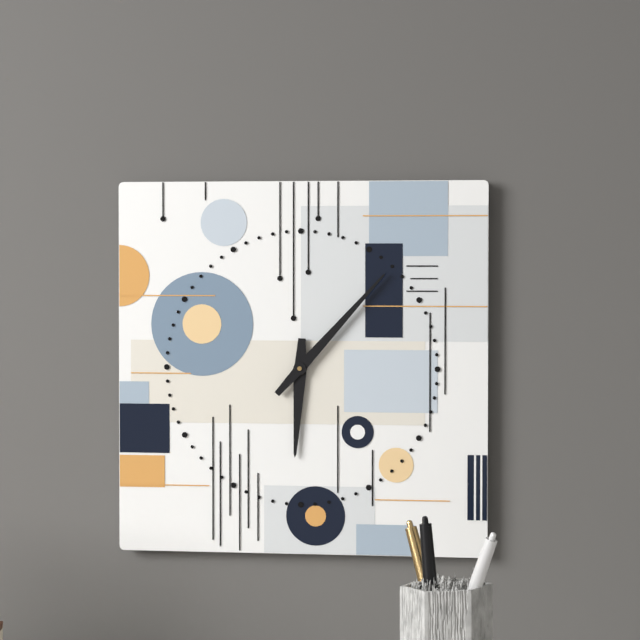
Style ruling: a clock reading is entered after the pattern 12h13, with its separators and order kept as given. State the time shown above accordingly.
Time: 6h07
